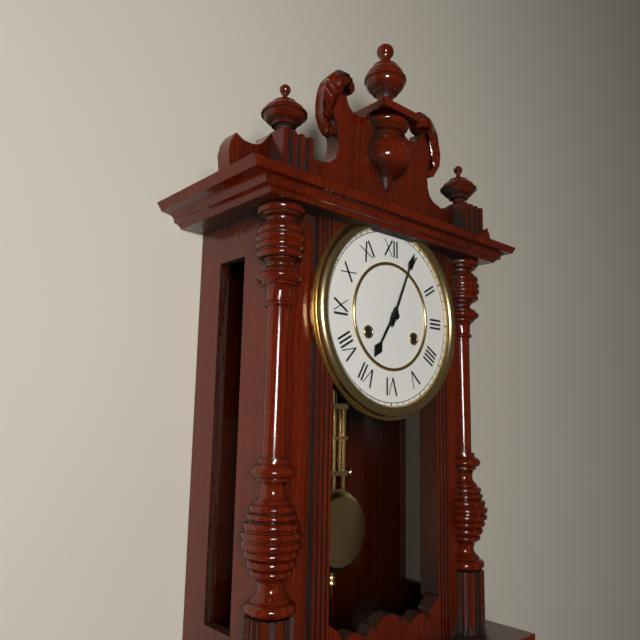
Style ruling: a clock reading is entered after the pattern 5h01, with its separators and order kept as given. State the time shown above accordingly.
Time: 7h04
